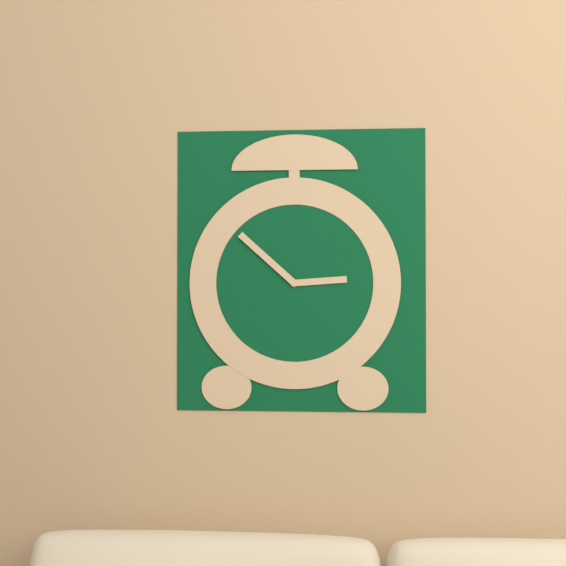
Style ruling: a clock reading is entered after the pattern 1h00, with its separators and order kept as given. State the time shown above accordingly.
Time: 2h52
